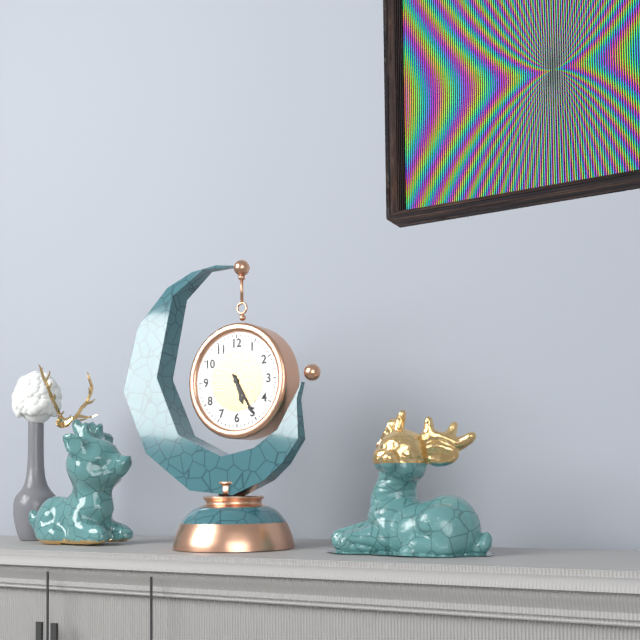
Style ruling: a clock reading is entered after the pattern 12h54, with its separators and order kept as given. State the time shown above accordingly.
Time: 5h25
